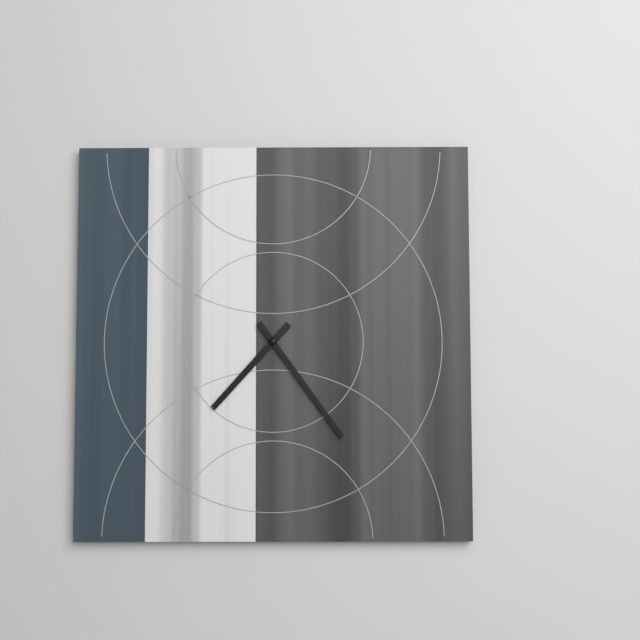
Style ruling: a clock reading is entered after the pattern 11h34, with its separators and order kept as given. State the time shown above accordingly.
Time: 7h24
